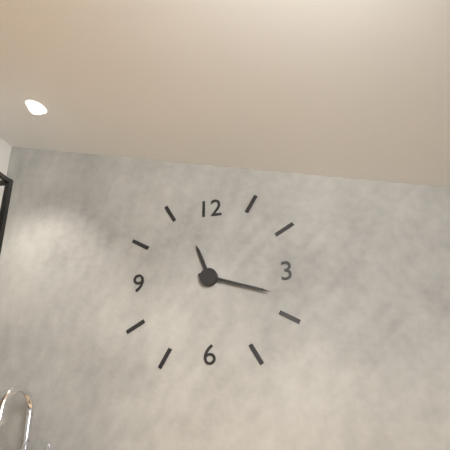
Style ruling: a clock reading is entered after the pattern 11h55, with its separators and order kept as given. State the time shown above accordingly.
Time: 11h18
